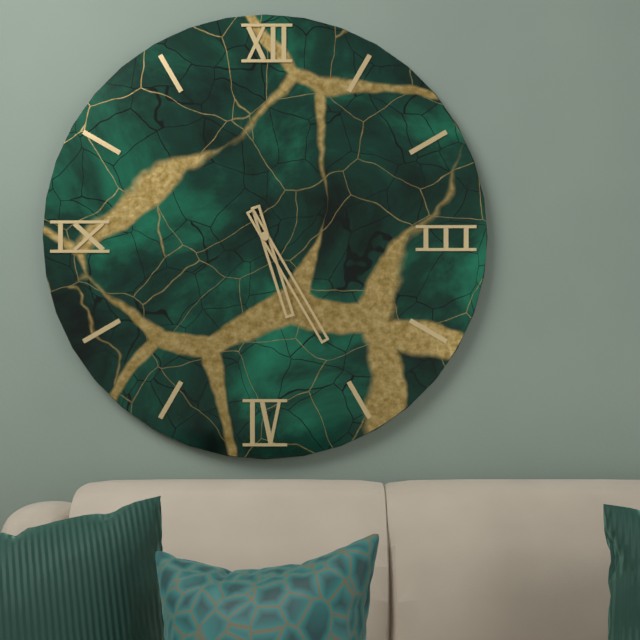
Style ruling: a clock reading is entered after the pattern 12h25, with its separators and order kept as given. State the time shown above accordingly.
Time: 5h25
